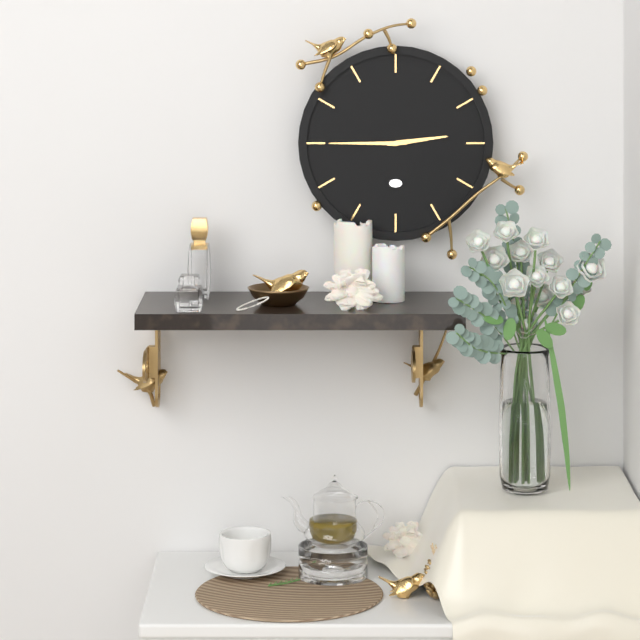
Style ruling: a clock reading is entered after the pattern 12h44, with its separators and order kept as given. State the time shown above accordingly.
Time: 2h45
